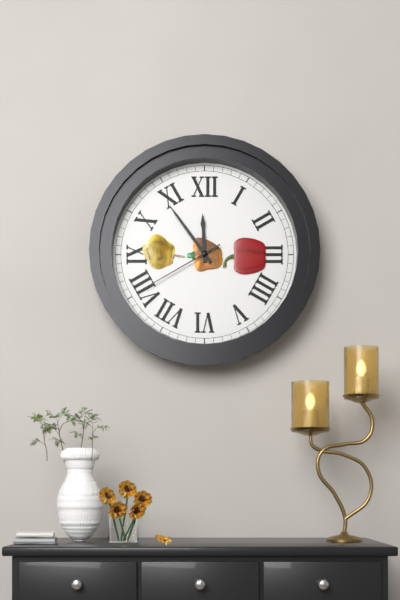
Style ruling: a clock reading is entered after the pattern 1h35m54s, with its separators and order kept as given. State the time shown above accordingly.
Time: 11h54m40s
